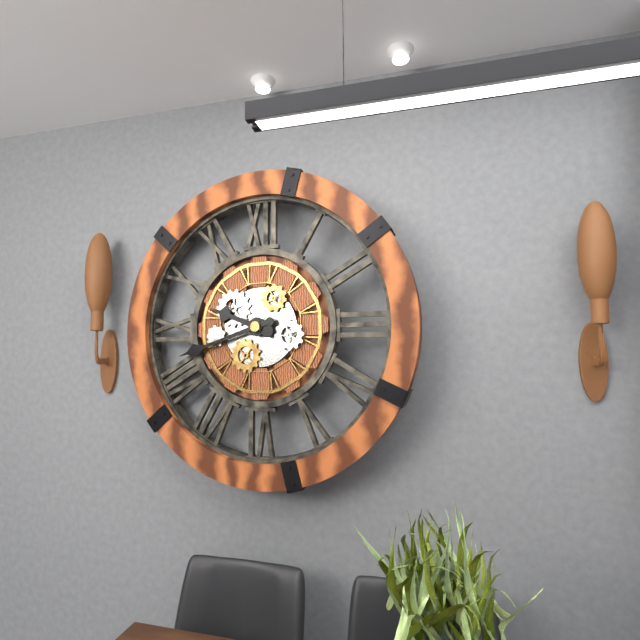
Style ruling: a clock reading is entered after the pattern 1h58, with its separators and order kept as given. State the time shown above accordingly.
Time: 9h42
